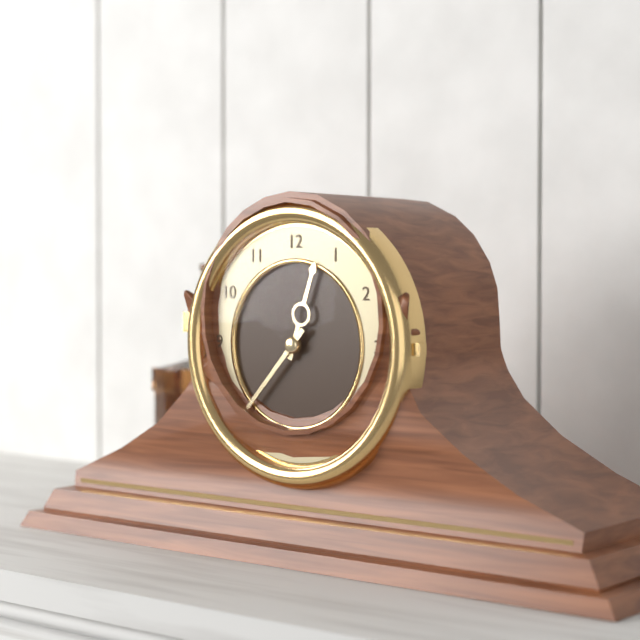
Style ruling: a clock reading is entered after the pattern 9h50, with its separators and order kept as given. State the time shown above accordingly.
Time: 12h37
